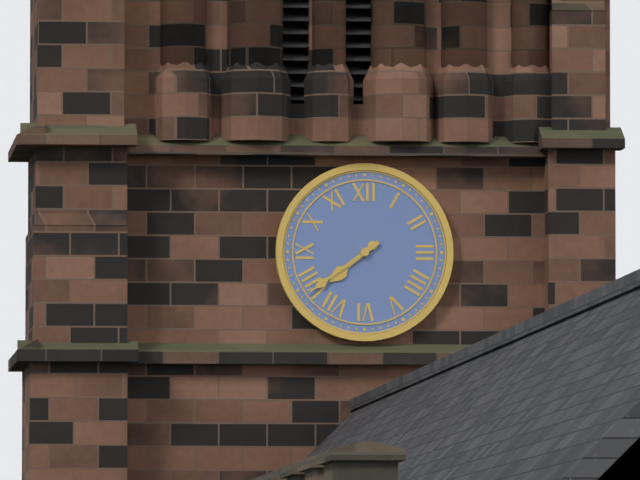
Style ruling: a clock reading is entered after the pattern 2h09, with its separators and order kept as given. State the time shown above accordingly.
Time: 7h39
